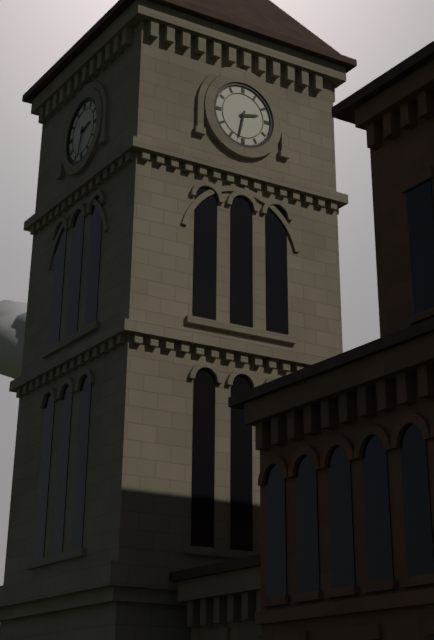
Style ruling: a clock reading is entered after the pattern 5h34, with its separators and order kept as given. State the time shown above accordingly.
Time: 2h32
